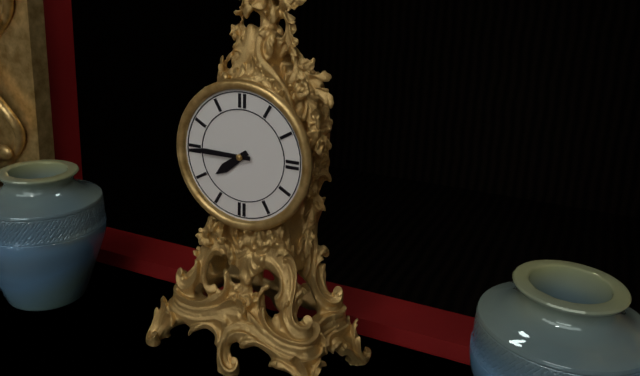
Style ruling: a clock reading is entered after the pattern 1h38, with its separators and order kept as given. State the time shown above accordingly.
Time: 7h45
